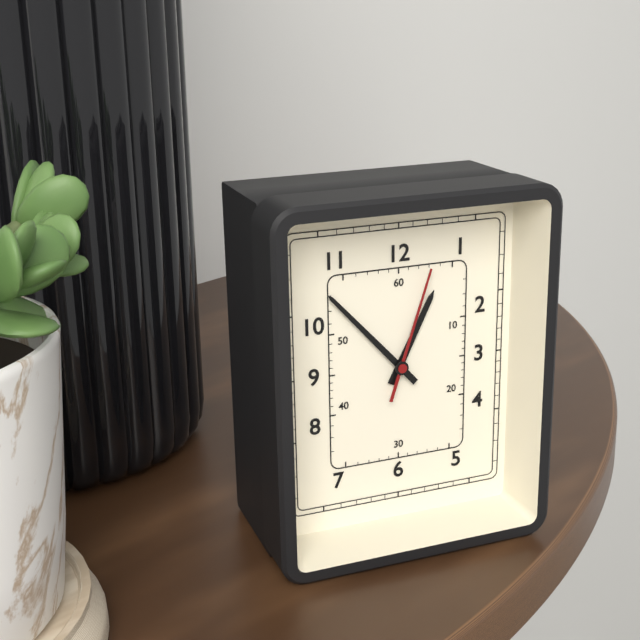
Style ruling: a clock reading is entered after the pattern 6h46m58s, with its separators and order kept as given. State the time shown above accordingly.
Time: 12h53m03s
